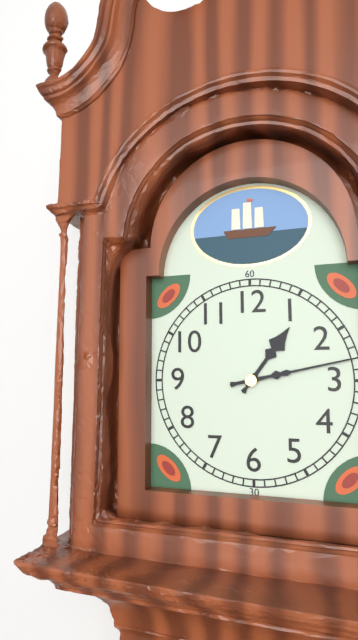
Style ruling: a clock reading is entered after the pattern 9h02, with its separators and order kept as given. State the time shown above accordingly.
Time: 1h13
